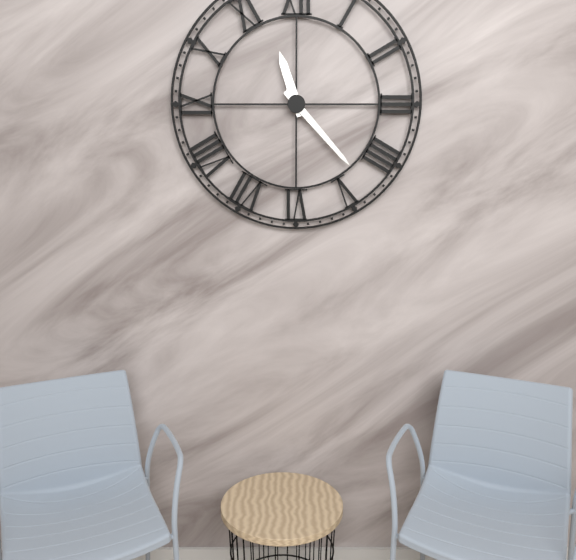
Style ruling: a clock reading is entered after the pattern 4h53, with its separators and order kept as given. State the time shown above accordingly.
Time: 11h23
